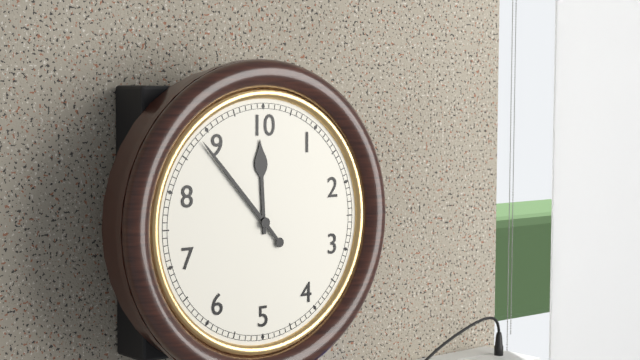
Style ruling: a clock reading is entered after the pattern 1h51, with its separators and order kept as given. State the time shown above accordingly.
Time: 11h53
